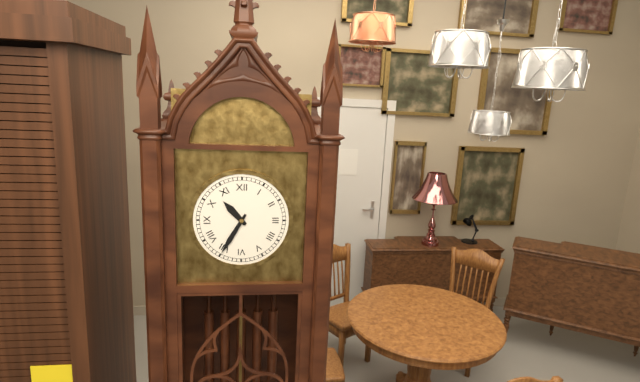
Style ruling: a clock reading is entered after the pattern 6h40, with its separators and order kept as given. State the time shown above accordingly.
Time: 10h35
